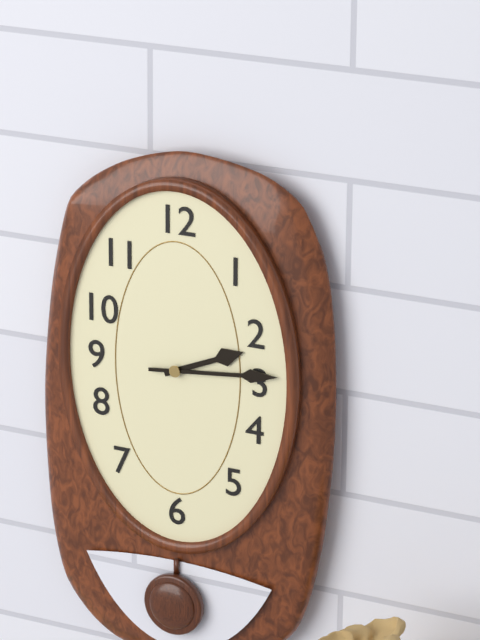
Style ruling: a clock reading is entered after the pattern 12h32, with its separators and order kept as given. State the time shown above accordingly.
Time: 2h14
